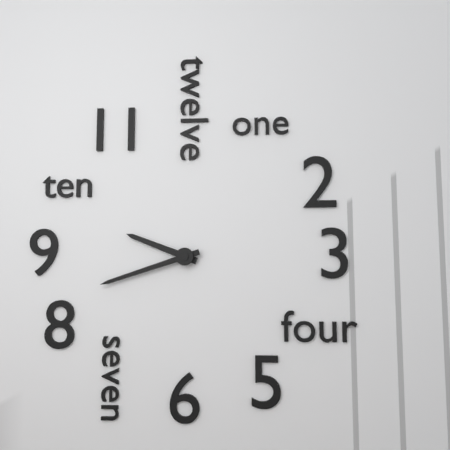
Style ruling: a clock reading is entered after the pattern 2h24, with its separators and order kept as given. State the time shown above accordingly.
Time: 9h42
